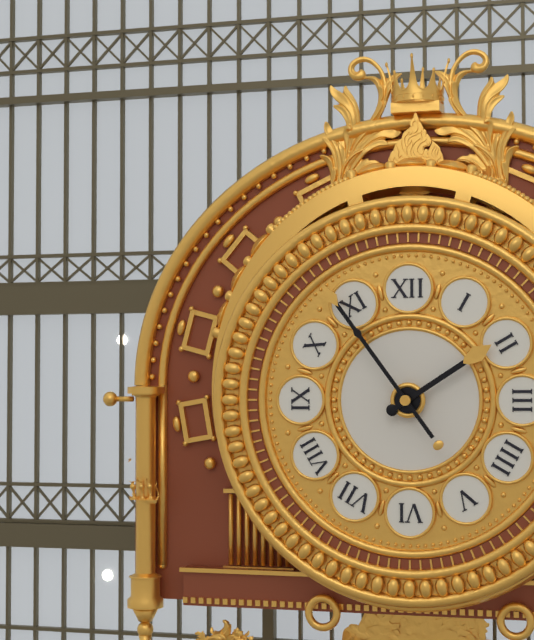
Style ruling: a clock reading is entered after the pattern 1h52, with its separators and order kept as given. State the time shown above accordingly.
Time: 1h54
